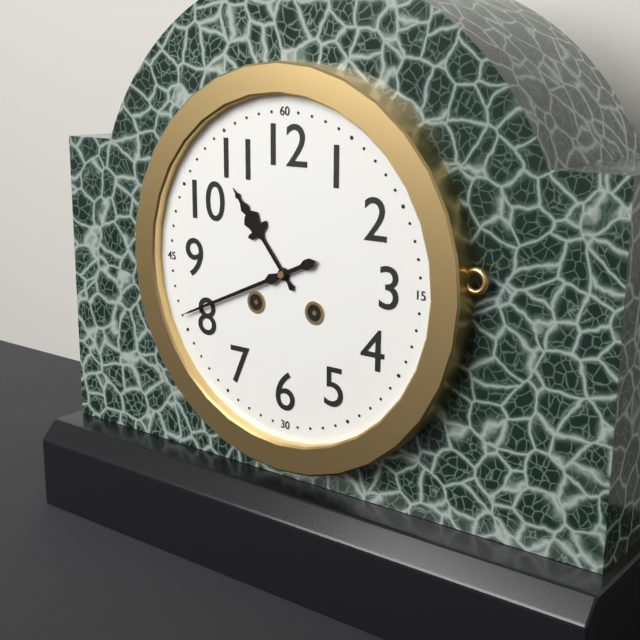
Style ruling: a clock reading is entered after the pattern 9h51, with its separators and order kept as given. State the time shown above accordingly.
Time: 10h41
